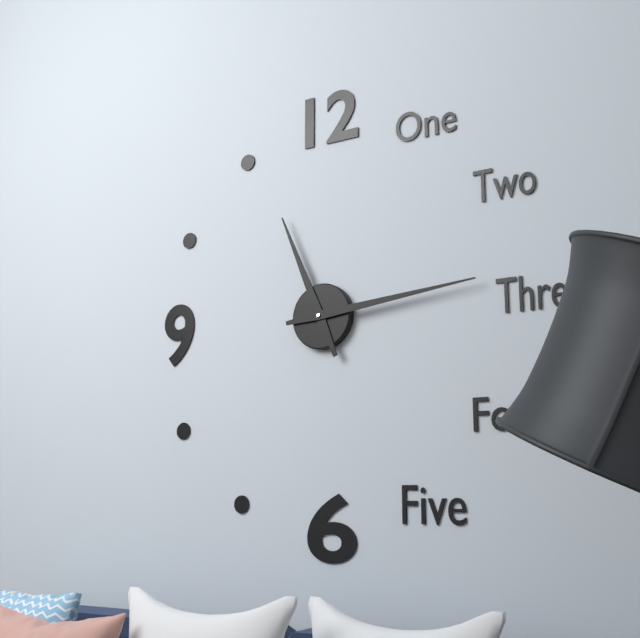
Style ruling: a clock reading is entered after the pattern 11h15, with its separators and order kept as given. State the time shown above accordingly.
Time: 11h14
